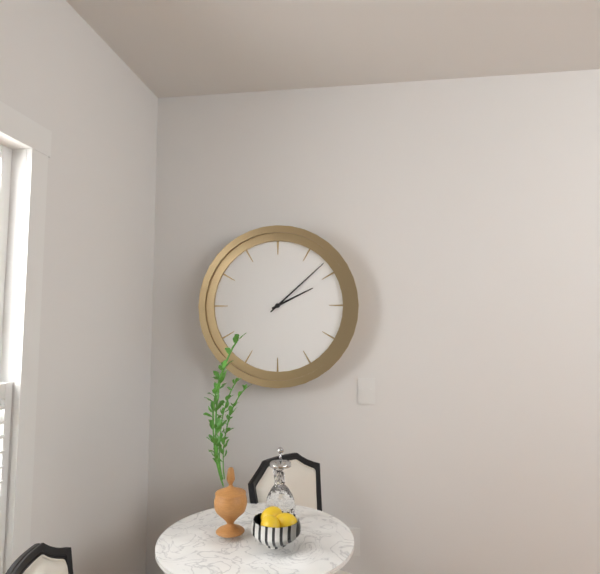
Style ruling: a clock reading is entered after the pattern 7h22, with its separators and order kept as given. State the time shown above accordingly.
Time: 2h08
